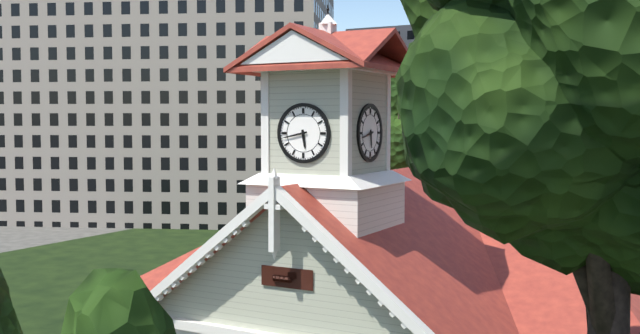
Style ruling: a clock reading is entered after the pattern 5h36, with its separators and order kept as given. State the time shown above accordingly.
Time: 5h43
